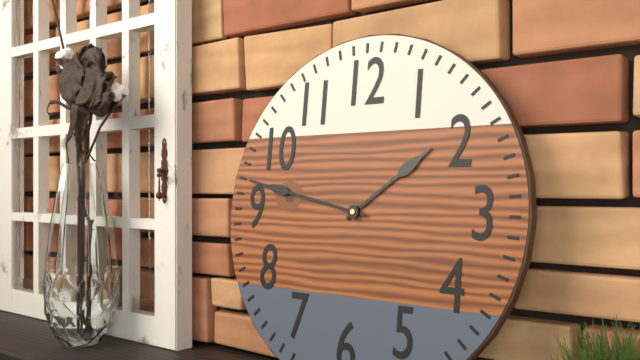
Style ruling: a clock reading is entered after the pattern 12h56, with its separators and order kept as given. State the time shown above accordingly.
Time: 1h47
